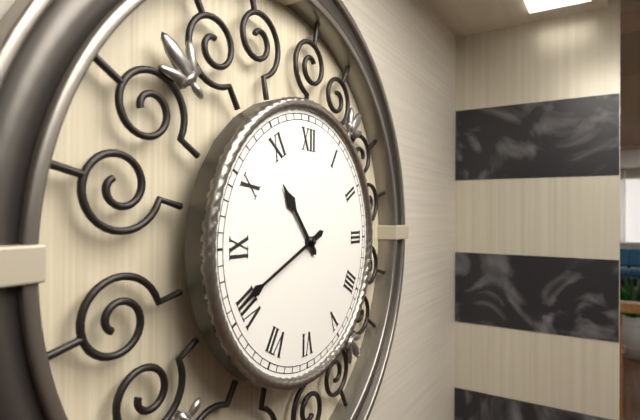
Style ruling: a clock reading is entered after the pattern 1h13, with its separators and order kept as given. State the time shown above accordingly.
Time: 10h41
